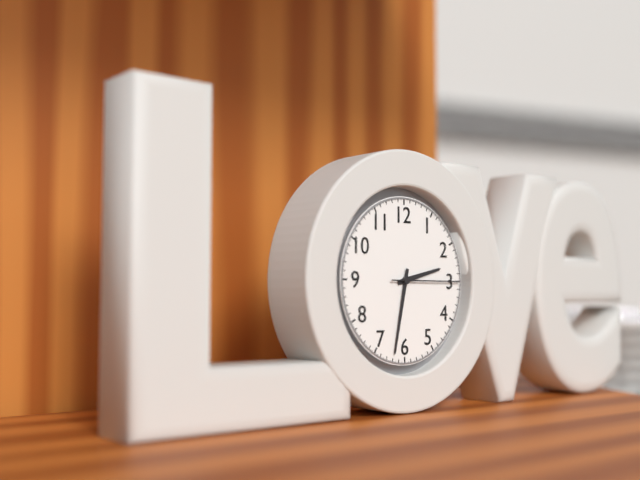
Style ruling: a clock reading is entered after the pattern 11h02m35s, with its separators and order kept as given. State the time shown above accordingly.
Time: 2h32m15s
